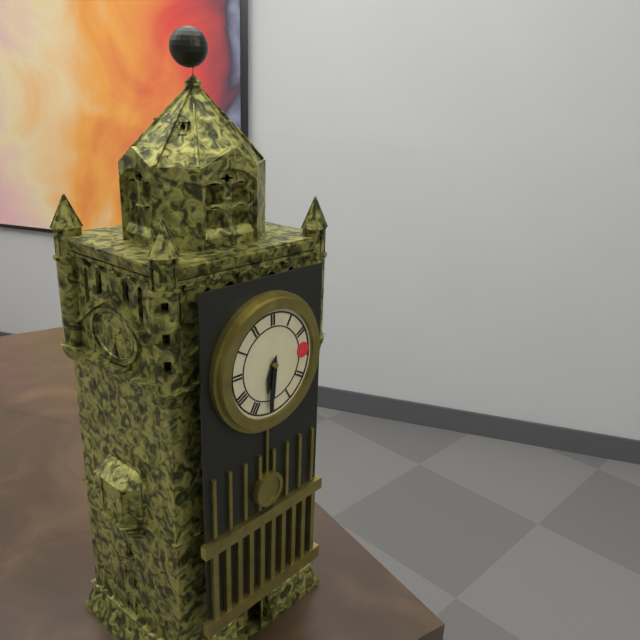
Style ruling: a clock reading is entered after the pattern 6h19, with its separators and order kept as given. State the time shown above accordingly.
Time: 6h31
